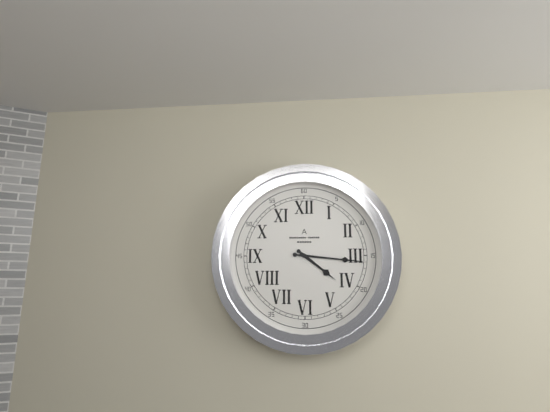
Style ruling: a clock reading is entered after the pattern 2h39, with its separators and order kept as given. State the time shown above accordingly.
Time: 4h16
